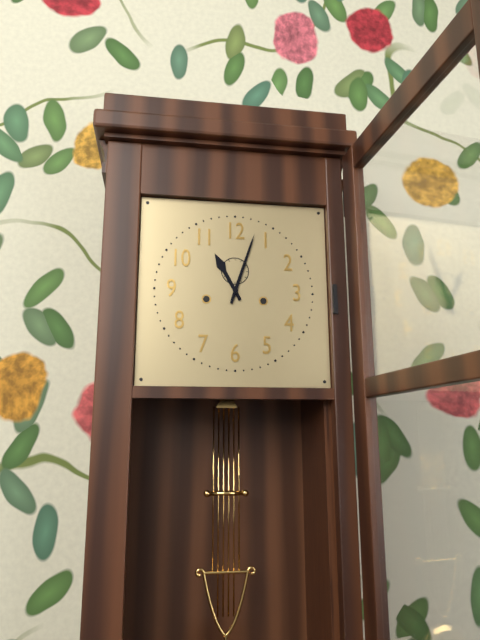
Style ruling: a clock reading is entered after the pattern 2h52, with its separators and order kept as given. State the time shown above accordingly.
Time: 11h03
